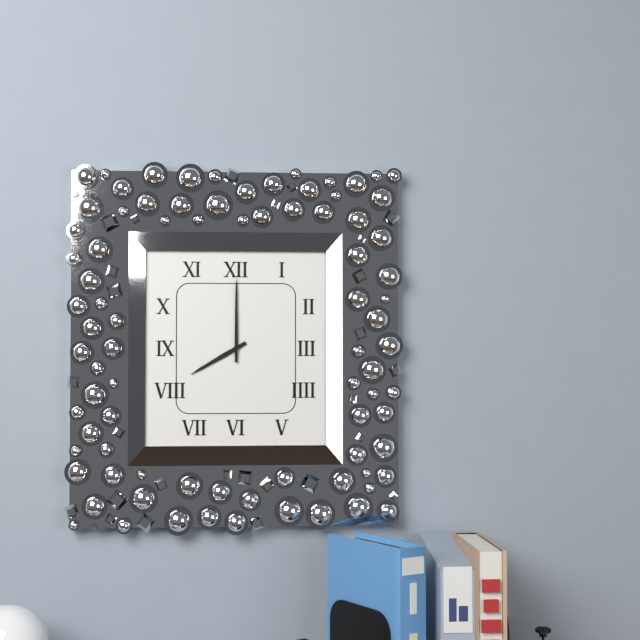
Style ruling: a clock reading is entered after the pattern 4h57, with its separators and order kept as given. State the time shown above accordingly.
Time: 8h00
